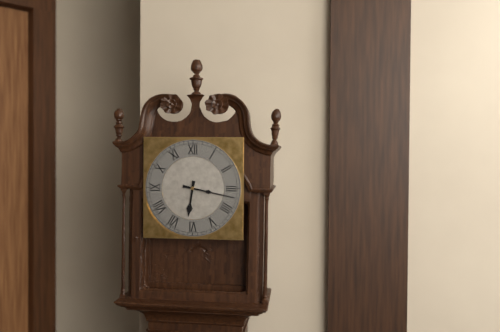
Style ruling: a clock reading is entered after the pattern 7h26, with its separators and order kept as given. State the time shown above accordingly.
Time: 6h17
